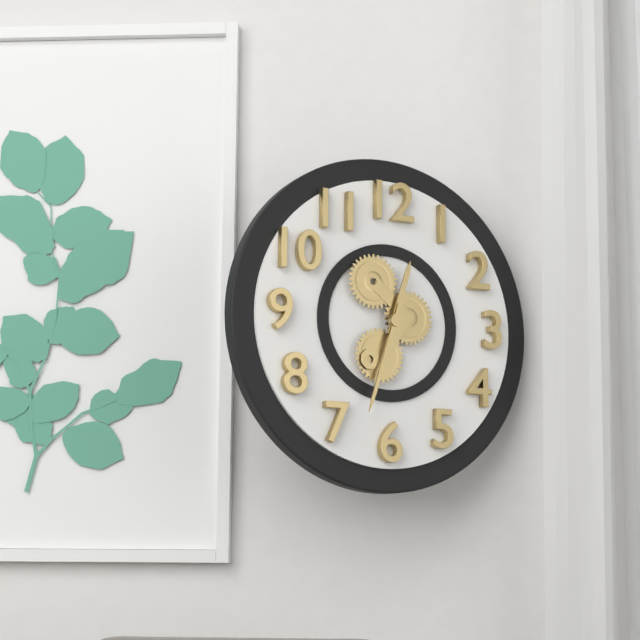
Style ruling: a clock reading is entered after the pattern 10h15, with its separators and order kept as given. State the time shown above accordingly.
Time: 12h33
